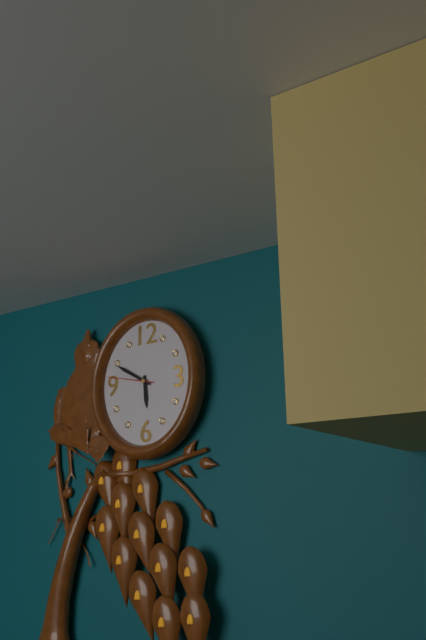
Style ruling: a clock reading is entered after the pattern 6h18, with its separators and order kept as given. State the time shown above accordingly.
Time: 5h50
